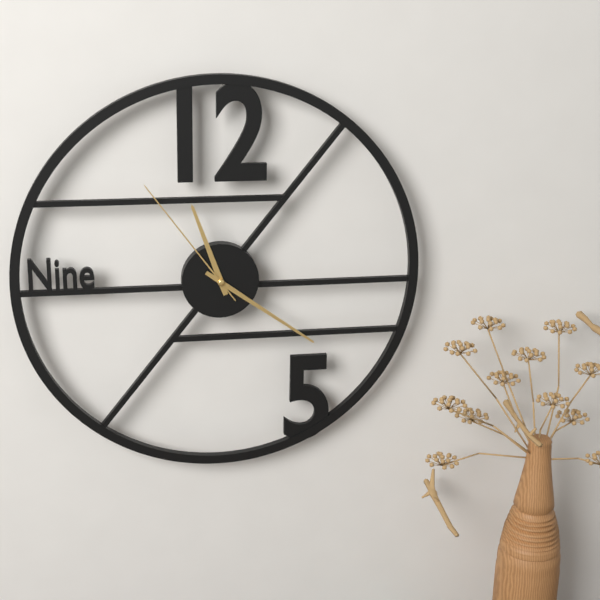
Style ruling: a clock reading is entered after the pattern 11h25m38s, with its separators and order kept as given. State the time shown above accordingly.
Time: 11h21m54s
